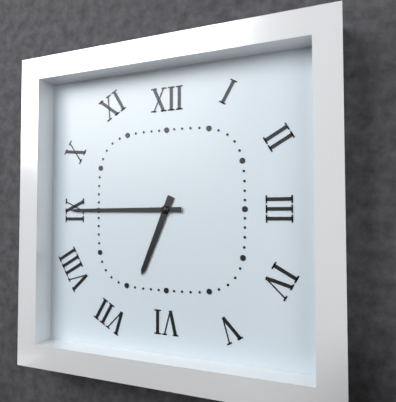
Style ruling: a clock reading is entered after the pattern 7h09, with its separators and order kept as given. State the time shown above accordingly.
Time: 6h45
